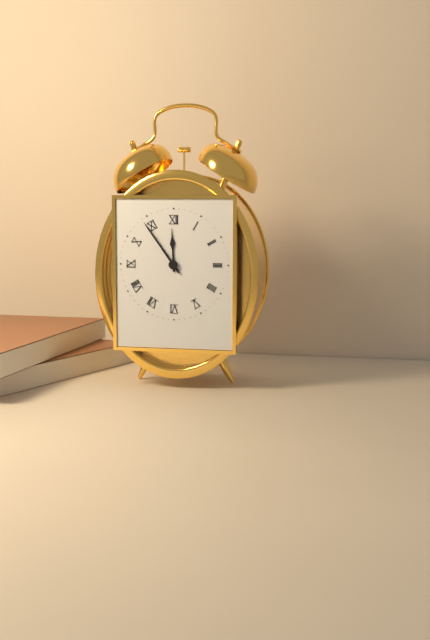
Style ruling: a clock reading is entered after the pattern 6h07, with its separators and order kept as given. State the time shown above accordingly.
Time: 11h54
